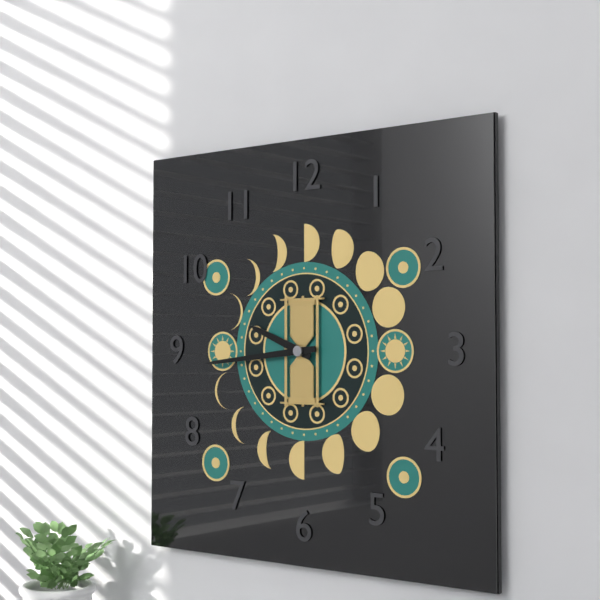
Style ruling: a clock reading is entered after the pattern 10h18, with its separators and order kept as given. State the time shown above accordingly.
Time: 9h44
